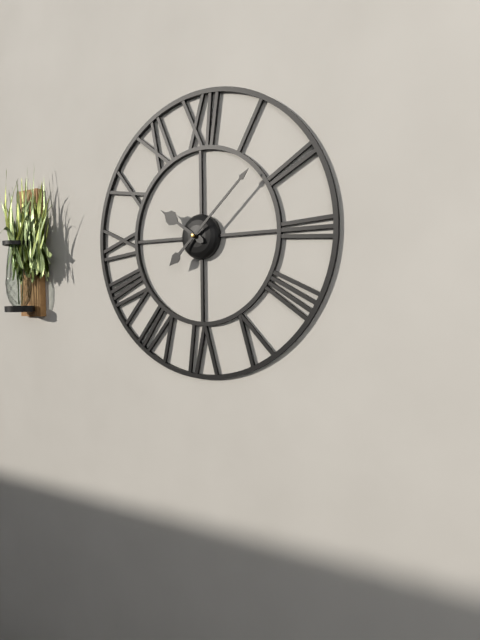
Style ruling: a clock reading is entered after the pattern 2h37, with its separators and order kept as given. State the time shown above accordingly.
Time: 10h08
